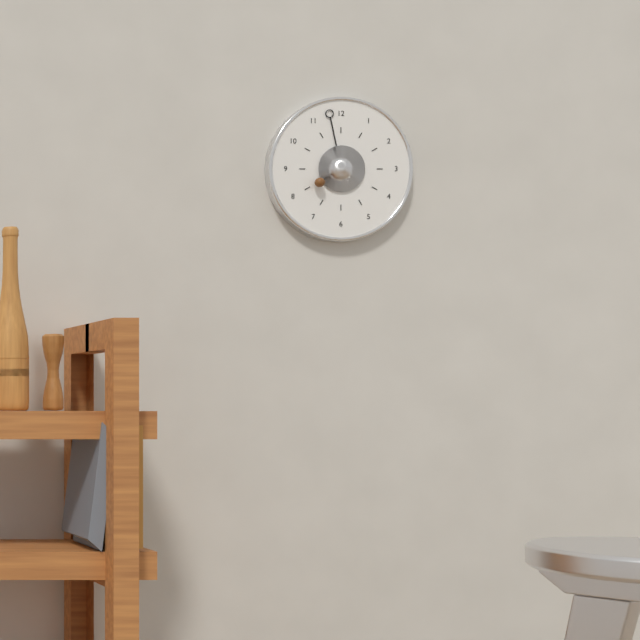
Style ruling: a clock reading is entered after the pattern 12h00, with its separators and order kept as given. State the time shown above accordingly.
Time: 7h58
